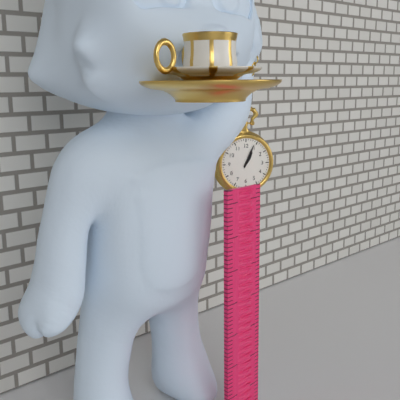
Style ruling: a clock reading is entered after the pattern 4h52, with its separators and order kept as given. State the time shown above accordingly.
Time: 1h04
